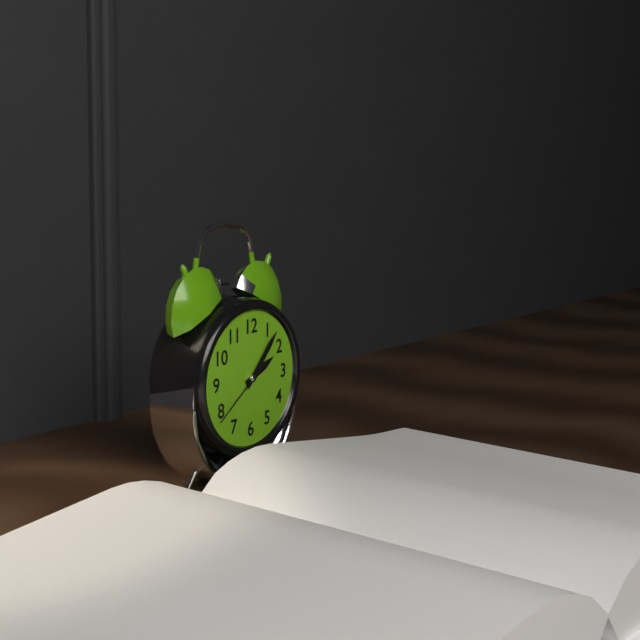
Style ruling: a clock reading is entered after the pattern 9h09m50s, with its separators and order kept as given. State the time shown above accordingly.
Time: 2h07m39s
